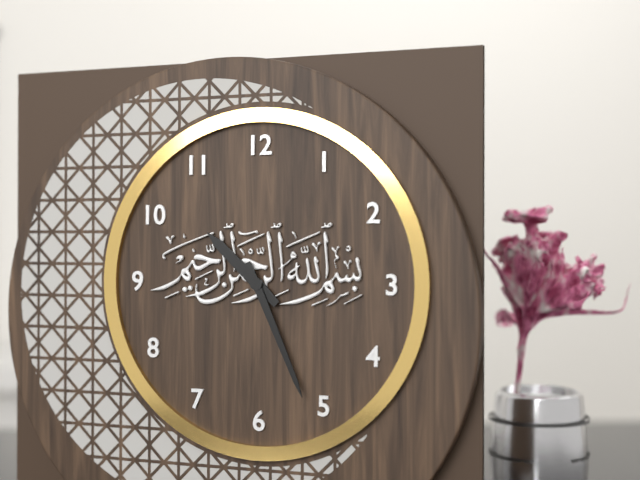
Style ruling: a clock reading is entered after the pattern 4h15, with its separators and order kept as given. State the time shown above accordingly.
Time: 10h26
